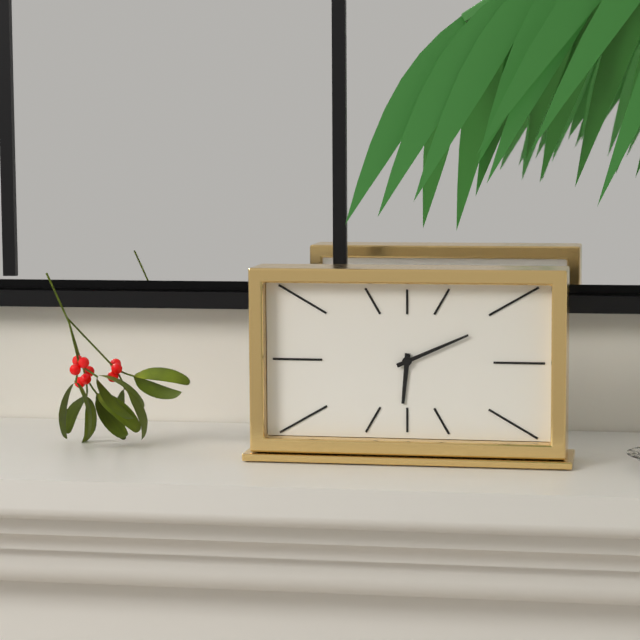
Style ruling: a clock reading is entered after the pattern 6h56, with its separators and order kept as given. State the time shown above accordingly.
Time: 6h11
